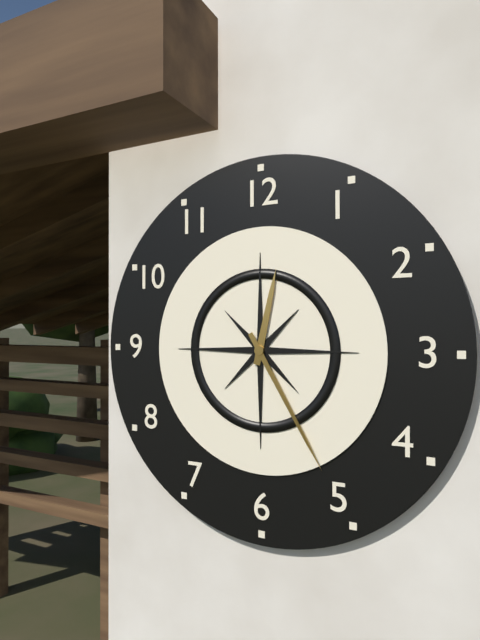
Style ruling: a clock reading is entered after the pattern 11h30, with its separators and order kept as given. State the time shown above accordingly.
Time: 12h25
